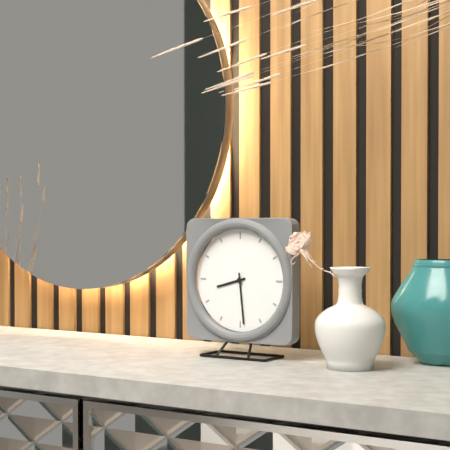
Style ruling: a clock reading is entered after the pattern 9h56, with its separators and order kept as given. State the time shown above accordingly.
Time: 8h29
